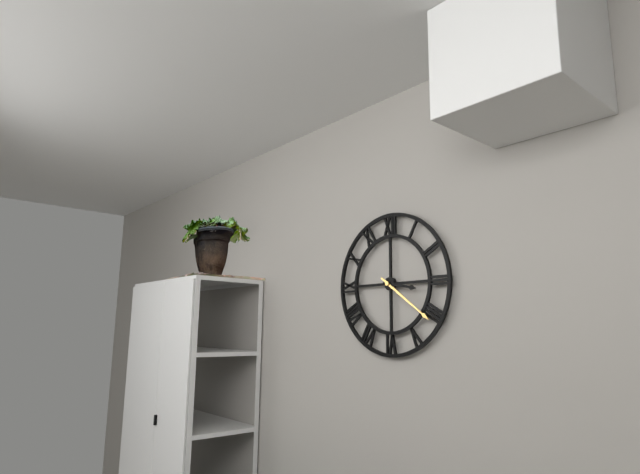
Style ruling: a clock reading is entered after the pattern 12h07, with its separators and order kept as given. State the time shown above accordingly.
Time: 3h21
